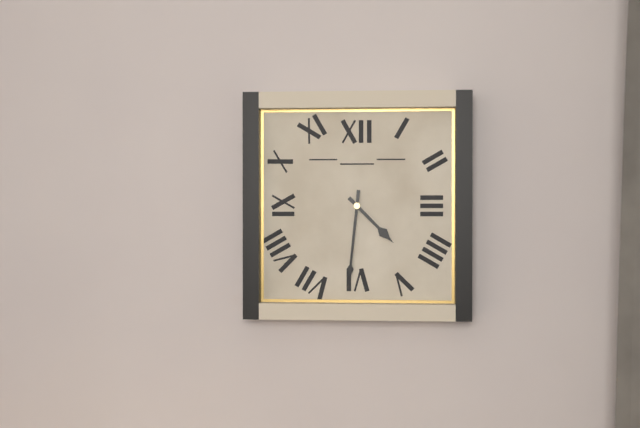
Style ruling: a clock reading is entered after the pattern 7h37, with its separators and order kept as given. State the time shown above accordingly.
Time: 4h31
